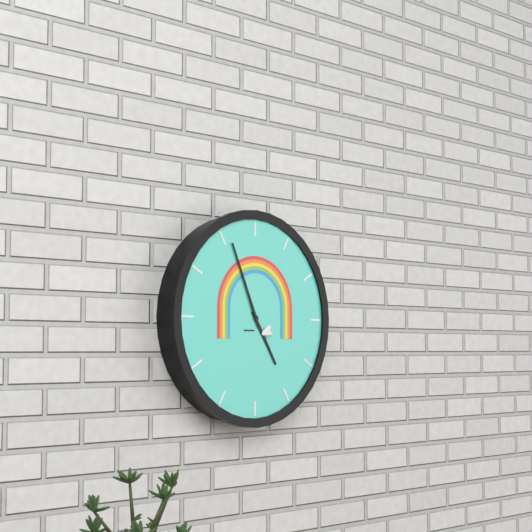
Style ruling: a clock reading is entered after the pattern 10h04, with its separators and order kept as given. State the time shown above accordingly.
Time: 4h56
